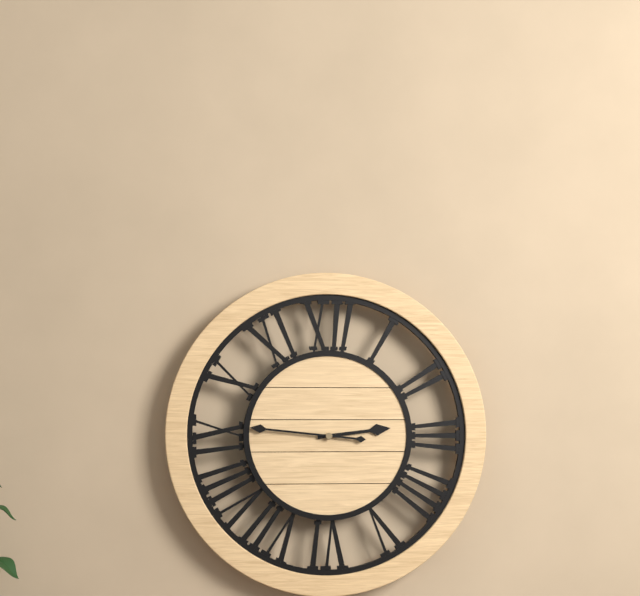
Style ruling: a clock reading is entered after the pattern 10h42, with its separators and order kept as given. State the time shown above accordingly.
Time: 2h46
